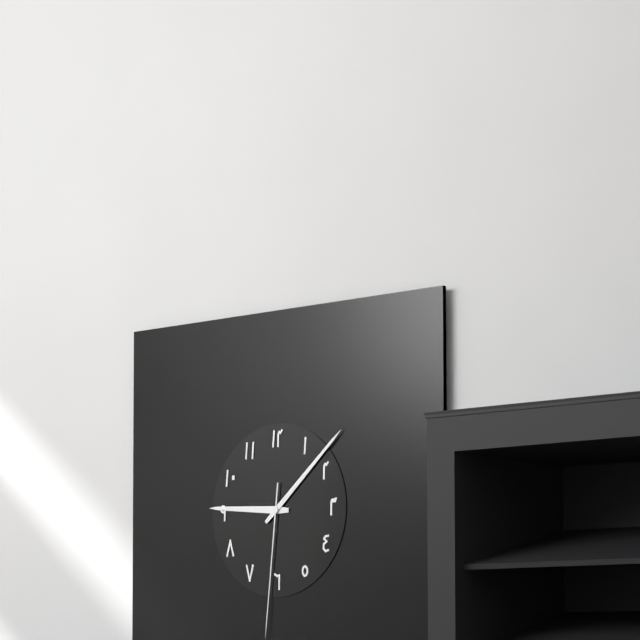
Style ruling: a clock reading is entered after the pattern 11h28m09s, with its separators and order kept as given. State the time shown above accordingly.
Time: 9h08m31s
